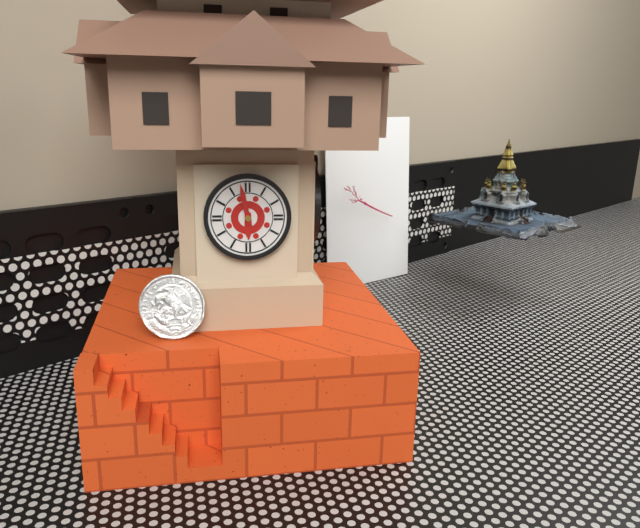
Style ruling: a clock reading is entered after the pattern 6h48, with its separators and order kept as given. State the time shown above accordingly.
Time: 5h58
